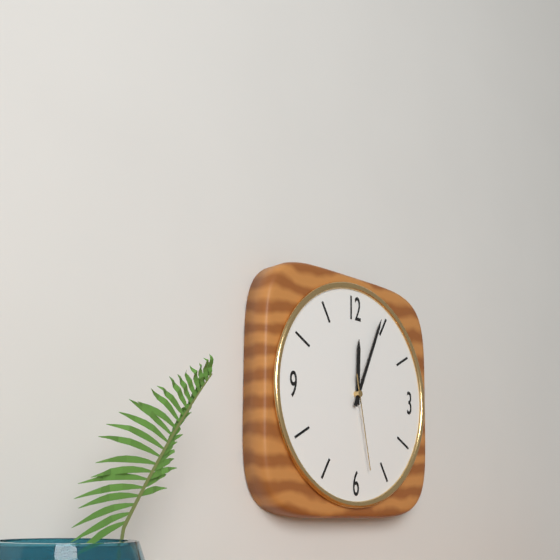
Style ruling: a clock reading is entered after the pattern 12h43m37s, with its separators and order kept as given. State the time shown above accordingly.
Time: 12h04m28s
